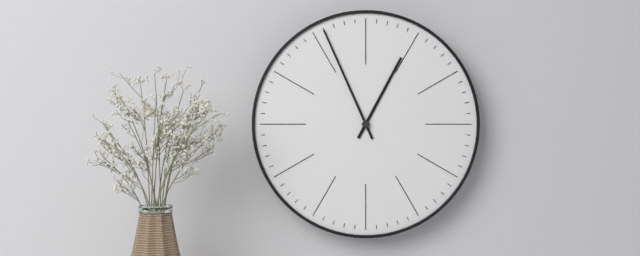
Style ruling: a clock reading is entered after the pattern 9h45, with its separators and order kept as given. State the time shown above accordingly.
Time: 12h56
